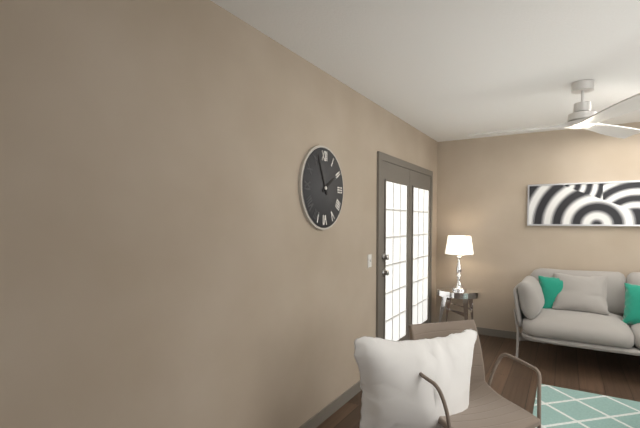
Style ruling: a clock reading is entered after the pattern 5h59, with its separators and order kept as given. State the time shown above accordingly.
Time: 1h56
